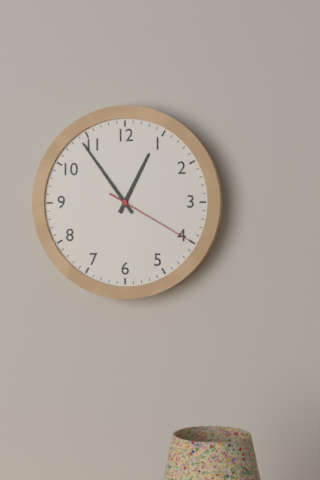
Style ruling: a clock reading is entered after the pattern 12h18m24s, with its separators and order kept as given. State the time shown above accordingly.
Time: 12h54m20s
